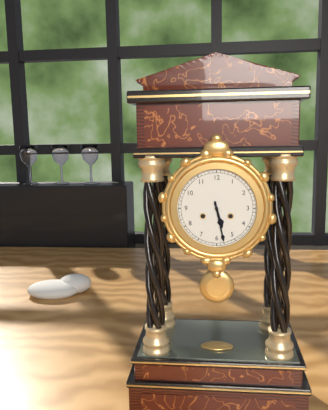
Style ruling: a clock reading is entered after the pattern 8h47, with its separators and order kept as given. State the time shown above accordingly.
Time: 5h28
